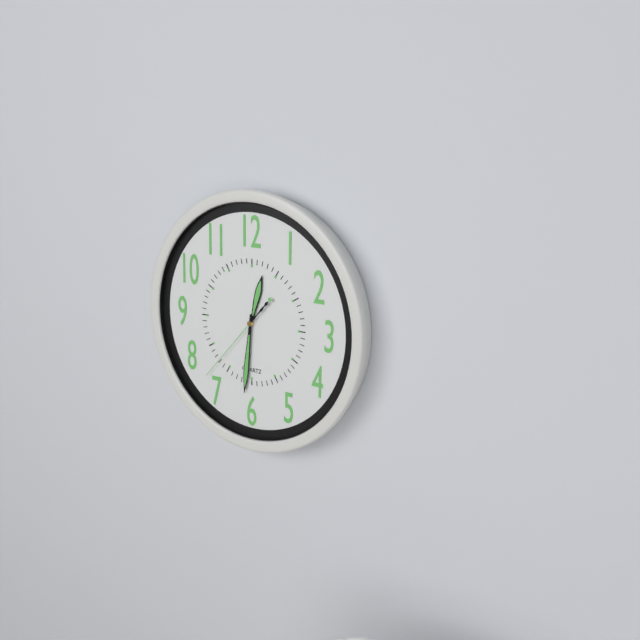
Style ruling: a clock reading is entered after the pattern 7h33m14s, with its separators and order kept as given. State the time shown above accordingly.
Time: 12h31m37s
